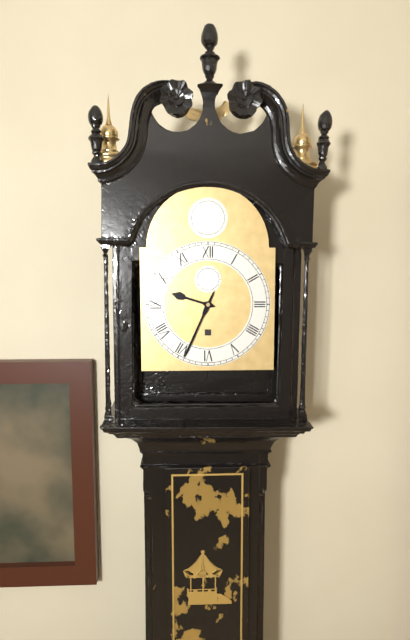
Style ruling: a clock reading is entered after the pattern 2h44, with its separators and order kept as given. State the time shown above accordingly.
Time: 9h34
